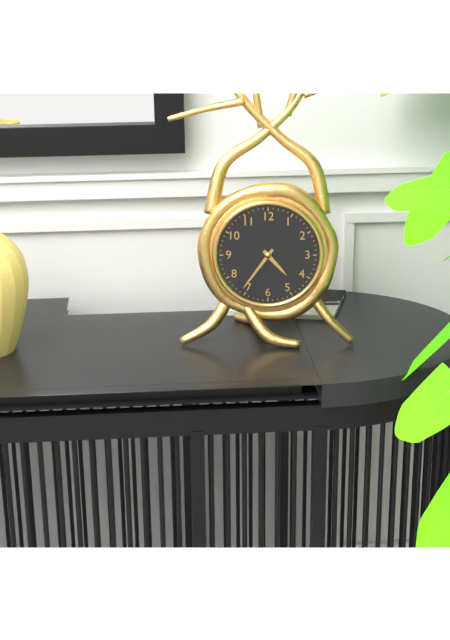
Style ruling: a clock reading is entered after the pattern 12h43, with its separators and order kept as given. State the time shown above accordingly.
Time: 4h36
